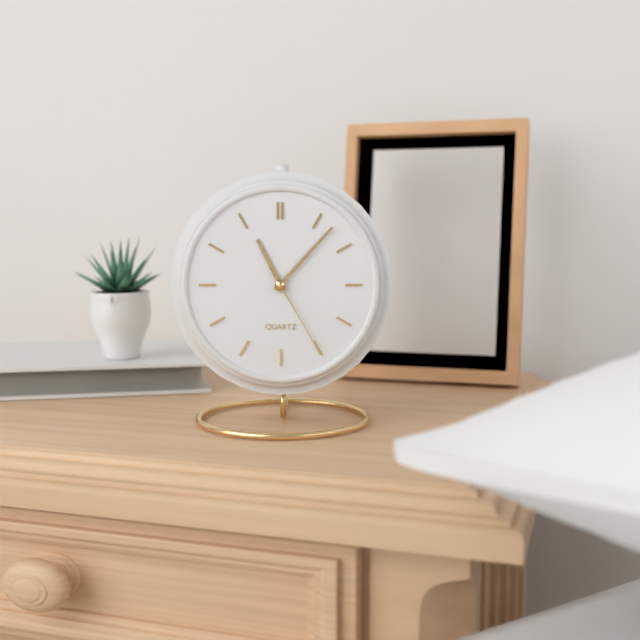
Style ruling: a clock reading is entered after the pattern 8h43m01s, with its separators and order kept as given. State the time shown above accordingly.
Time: 11h07m25s
